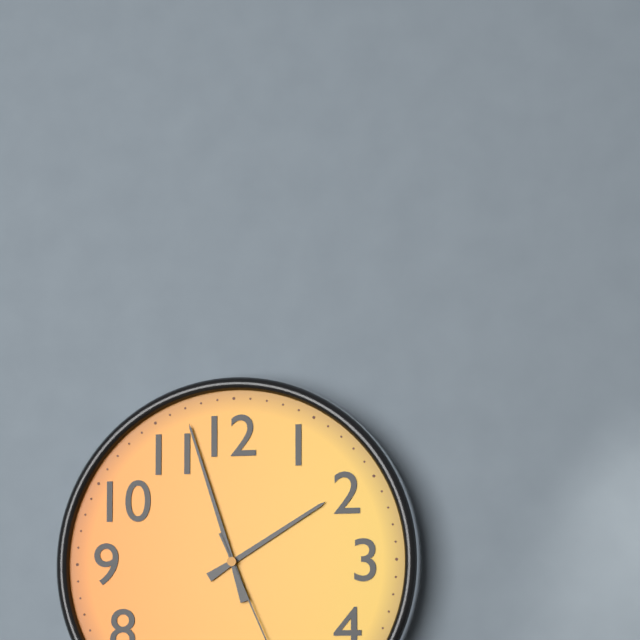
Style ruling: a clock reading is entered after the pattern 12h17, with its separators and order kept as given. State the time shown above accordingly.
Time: 1h57
